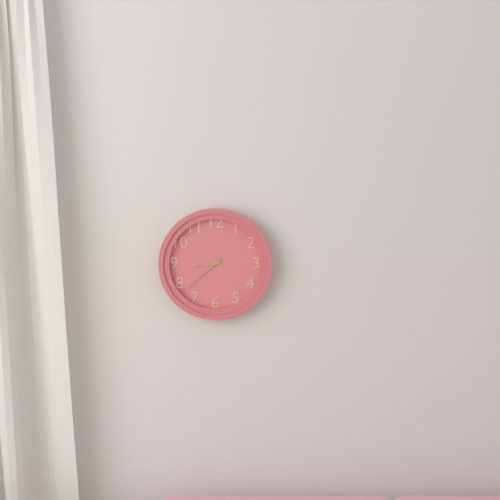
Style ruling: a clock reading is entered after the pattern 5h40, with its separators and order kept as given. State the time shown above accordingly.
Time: 8h38
